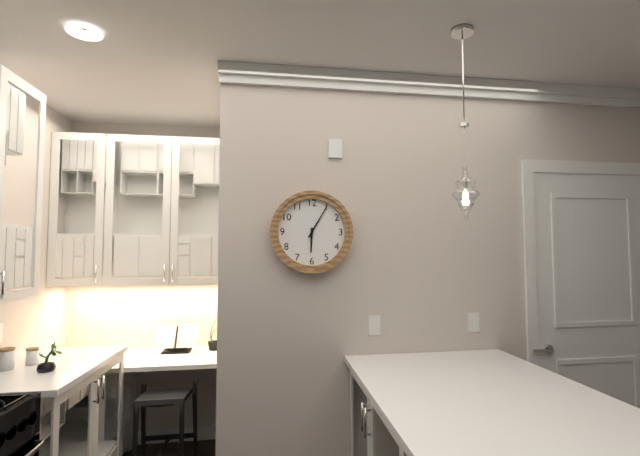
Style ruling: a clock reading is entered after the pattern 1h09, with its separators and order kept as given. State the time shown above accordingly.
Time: 6h05
